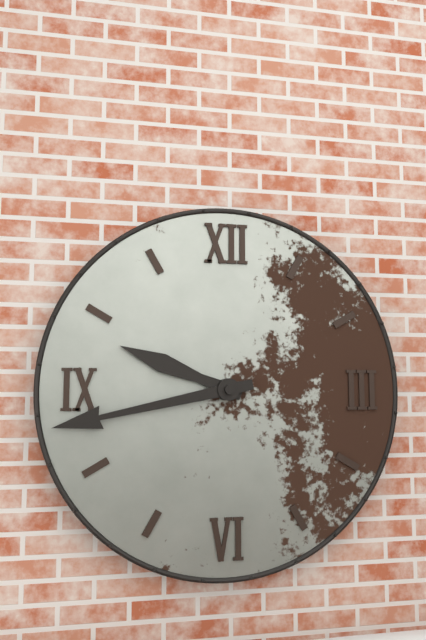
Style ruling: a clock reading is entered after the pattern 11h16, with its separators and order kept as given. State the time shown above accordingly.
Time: 9h43
